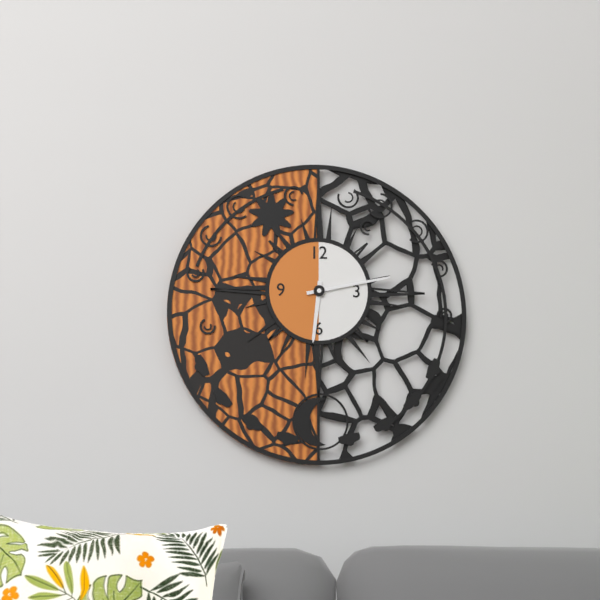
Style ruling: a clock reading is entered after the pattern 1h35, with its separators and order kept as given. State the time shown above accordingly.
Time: 6h13
